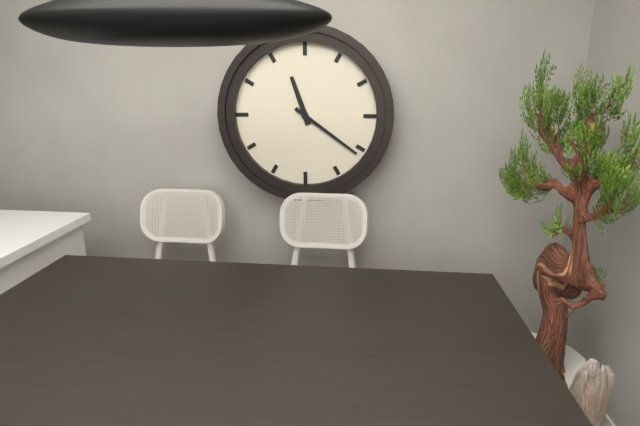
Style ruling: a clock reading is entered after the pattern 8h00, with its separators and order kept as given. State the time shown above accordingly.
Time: 11h21
